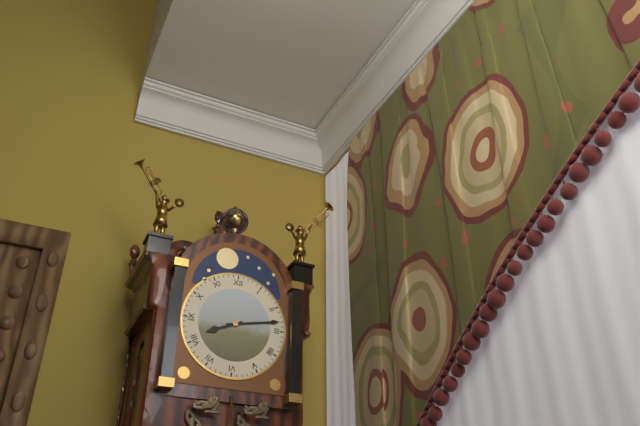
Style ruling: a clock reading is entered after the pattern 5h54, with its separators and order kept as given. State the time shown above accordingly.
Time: 8h13
